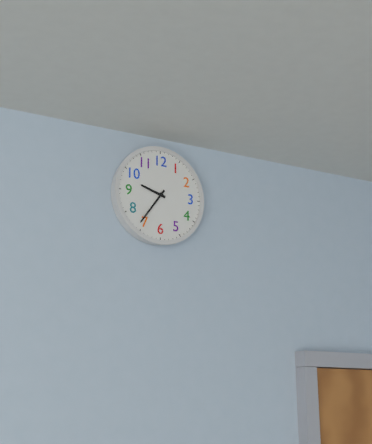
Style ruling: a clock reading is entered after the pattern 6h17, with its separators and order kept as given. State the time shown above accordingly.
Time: 9h36
